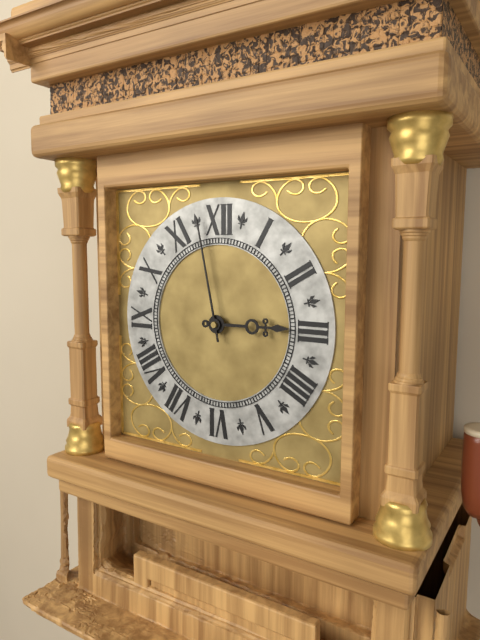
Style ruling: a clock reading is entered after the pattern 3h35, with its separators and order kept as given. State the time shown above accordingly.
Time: 2h58
